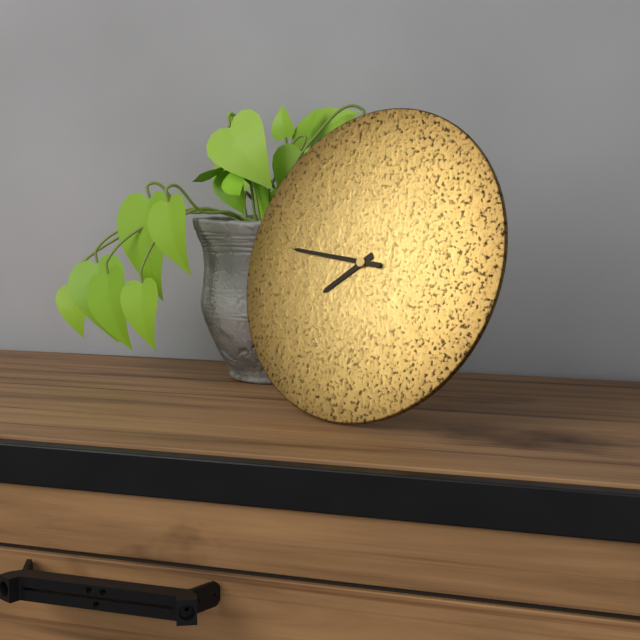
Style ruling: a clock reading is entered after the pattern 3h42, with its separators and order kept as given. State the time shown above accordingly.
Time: 7h46
